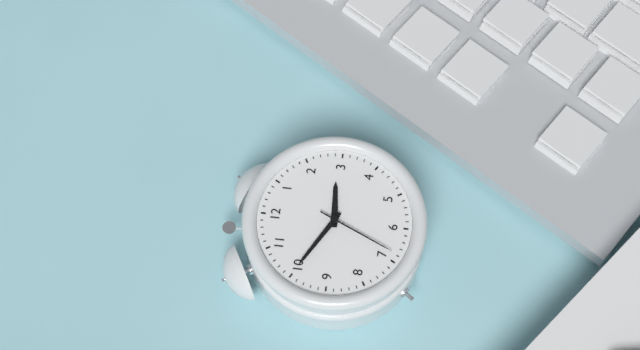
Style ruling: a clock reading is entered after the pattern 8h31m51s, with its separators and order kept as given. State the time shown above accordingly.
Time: 2h50m34s
